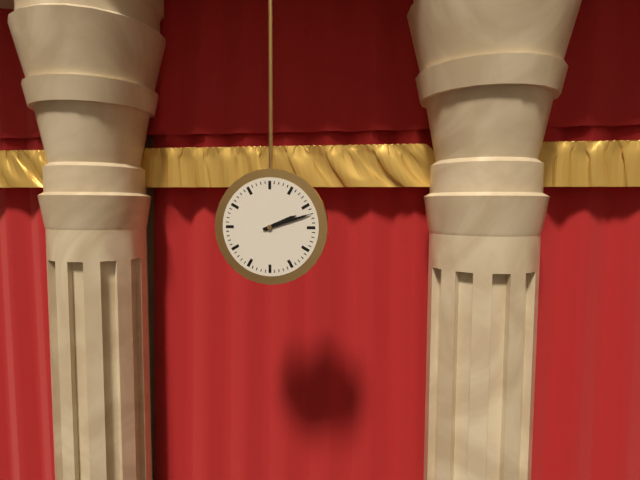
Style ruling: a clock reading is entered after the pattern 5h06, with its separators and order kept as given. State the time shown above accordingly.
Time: 2h12
